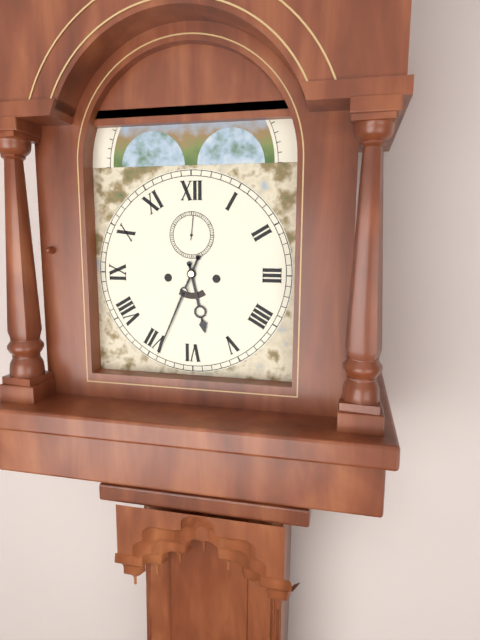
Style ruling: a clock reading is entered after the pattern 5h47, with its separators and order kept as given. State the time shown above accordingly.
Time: 5h34
